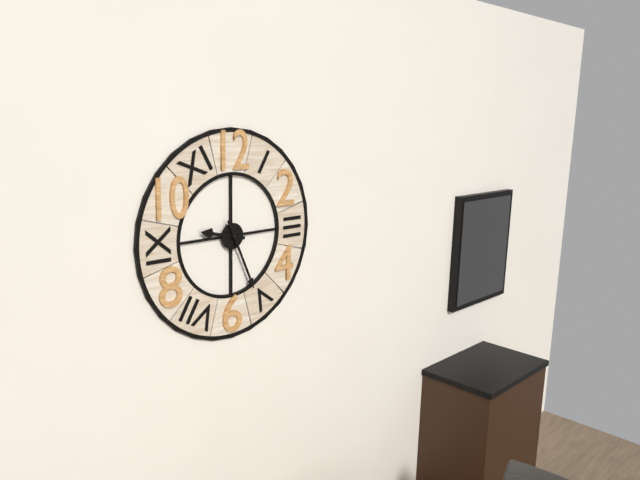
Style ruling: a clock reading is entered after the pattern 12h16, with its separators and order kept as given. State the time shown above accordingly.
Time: 9h26
